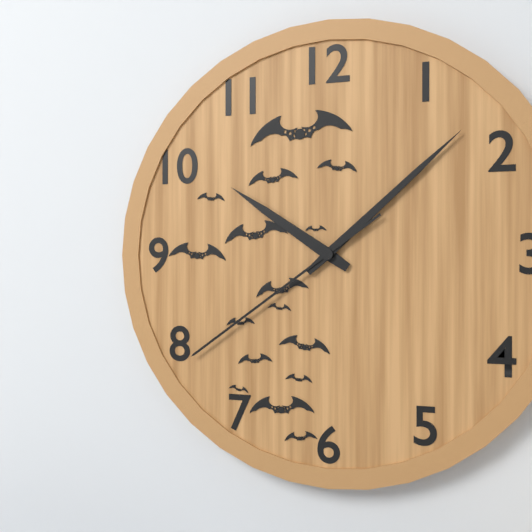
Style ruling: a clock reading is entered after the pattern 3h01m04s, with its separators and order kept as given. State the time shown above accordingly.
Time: 10h08m39s
